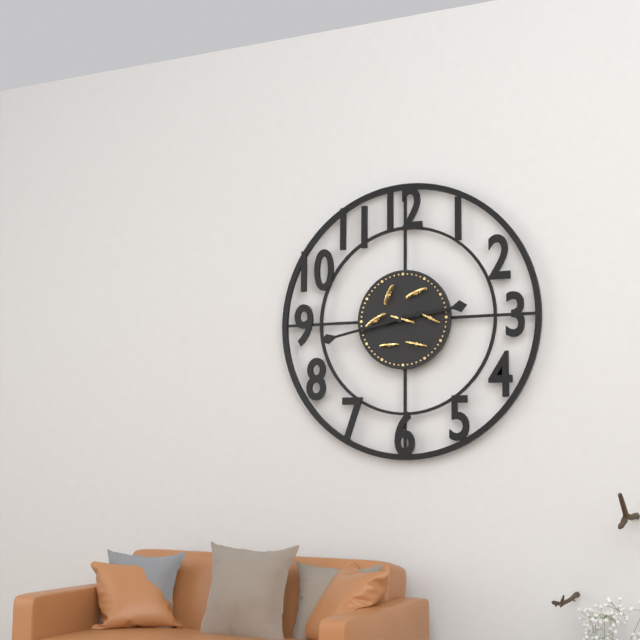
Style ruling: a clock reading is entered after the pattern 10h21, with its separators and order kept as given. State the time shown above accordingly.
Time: 2h43
